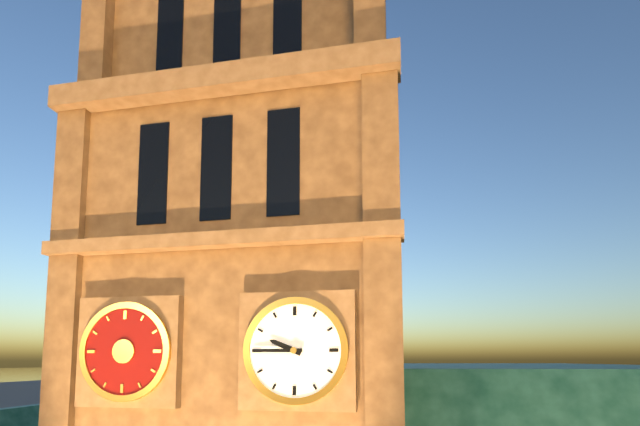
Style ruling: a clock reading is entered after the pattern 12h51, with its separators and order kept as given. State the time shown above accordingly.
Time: 9h45
